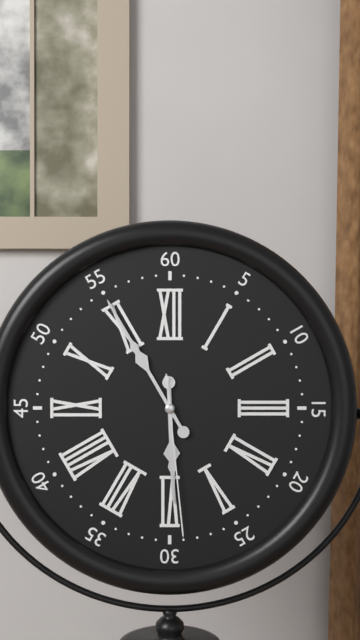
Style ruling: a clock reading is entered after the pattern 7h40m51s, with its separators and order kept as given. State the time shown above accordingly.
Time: 5h55m29s
